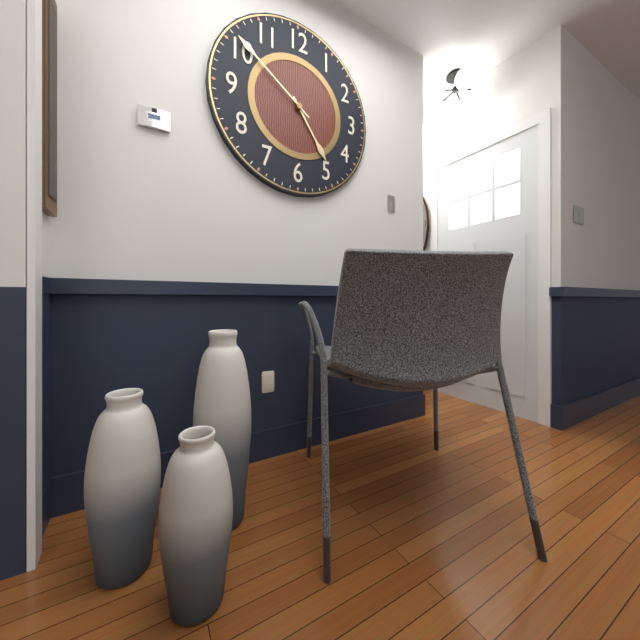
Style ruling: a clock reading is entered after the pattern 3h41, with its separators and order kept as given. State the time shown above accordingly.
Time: 4h51
